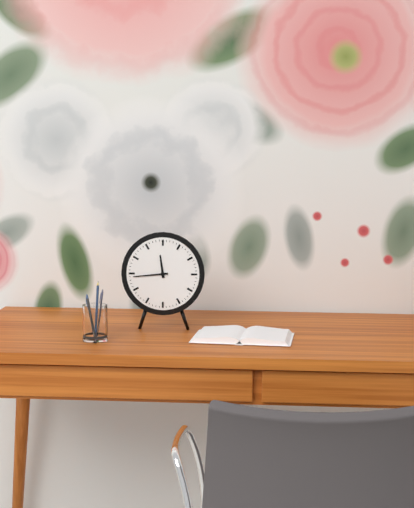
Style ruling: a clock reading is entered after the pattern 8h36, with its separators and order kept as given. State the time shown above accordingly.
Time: 11h44
